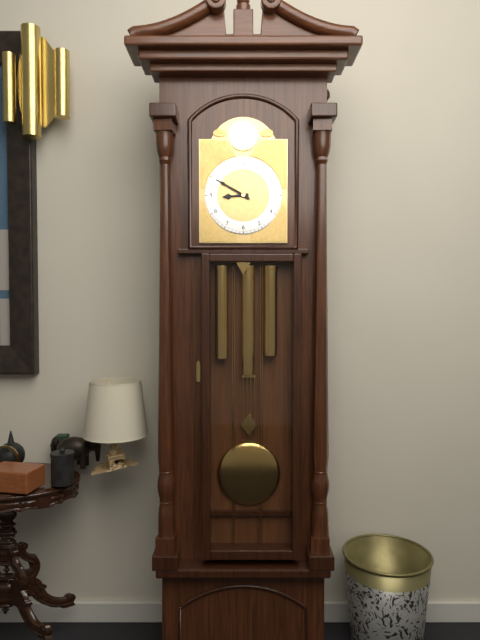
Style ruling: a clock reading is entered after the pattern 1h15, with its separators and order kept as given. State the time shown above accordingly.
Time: 8h50
